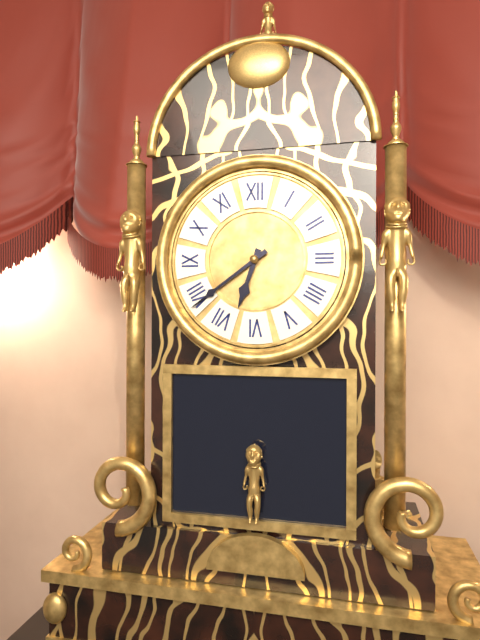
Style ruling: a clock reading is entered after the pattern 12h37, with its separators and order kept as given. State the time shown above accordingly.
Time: 6h39
